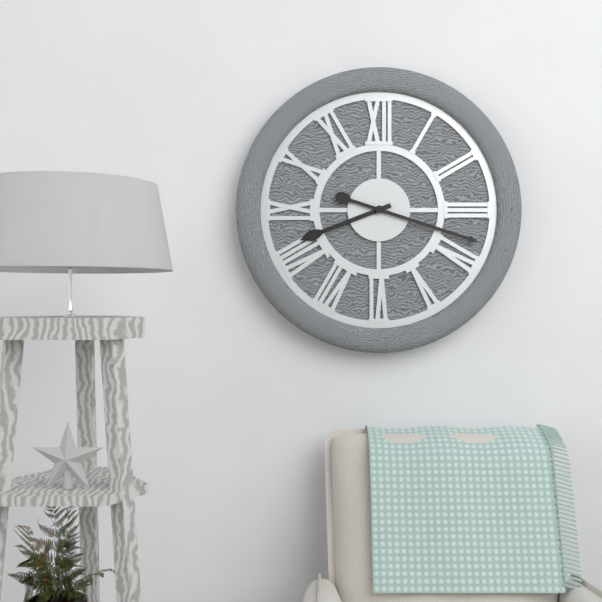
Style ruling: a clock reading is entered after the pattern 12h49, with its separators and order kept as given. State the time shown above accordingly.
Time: 8h18
